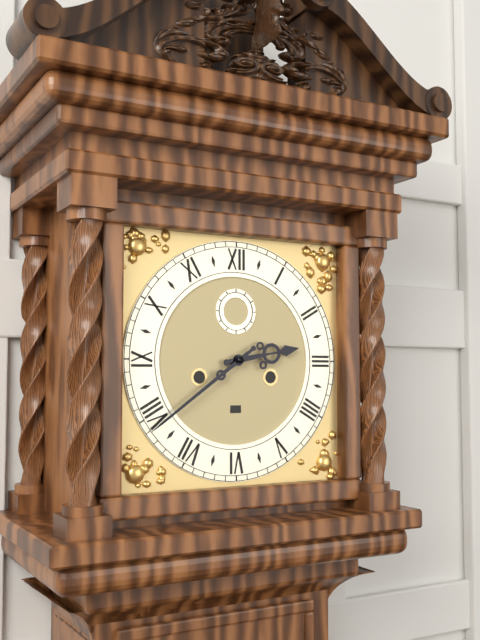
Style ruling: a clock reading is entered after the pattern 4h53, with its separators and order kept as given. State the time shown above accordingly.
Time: 2h39
